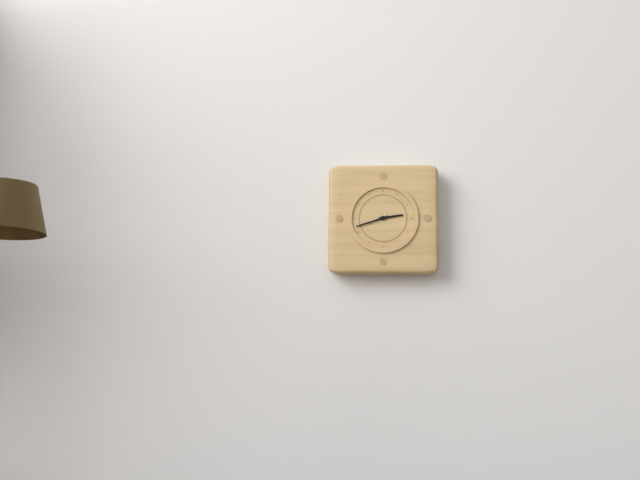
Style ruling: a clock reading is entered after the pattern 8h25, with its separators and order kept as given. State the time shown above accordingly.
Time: 2h42
